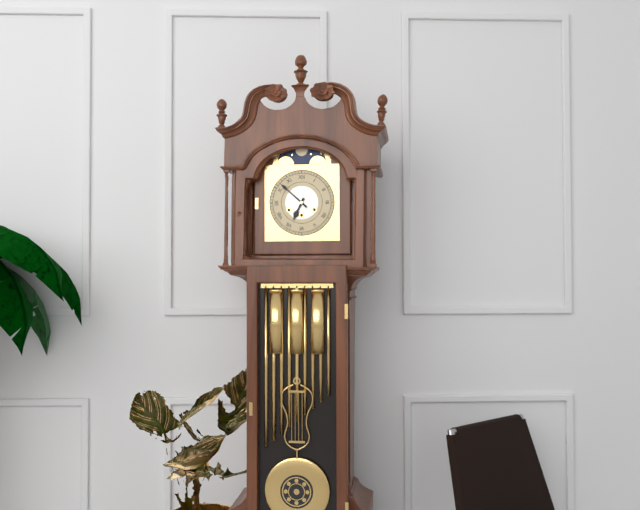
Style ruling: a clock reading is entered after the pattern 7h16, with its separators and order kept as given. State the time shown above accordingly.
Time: 6h52
